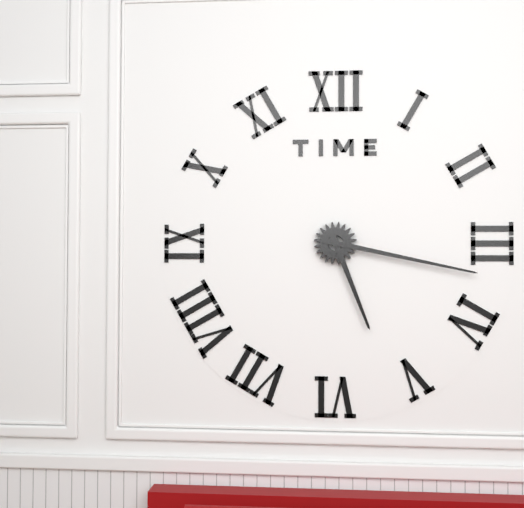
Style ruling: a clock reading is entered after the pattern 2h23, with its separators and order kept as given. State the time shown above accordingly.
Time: 5h17
